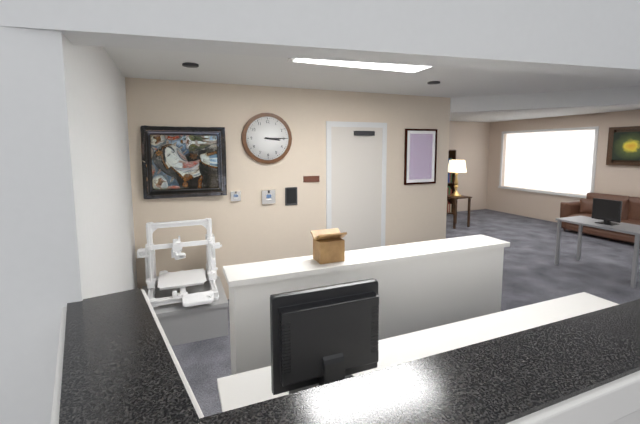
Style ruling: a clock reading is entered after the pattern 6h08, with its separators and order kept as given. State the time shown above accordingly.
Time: 3h15
